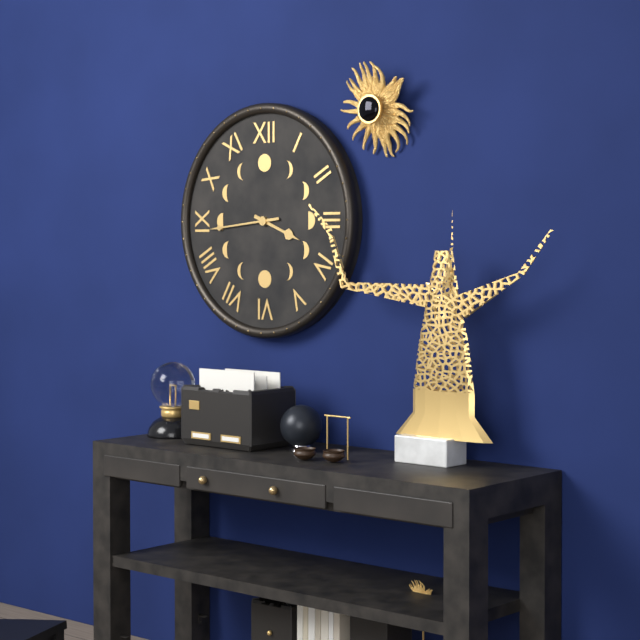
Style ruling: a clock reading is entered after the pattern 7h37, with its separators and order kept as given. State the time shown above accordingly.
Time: 3h44
